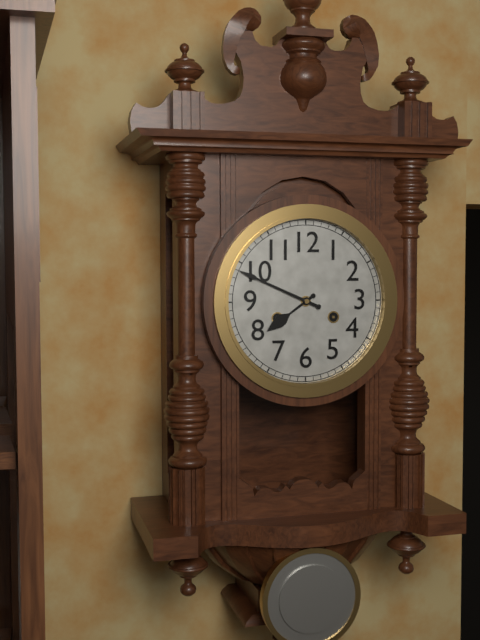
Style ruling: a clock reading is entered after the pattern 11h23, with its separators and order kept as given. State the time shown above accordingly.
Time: 7h49
